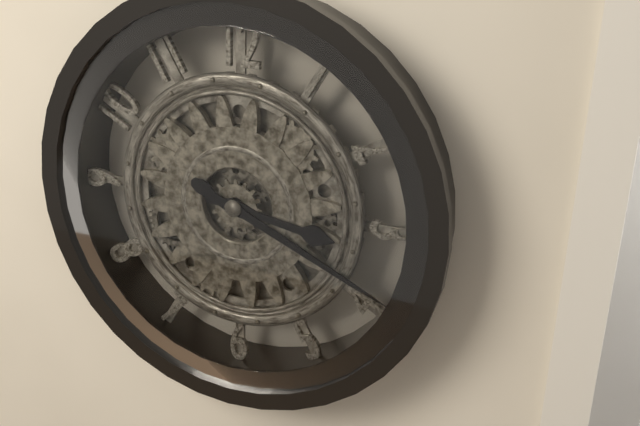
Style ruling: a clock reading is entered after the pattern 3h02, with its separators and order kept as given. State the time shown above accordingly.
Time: 3h19
